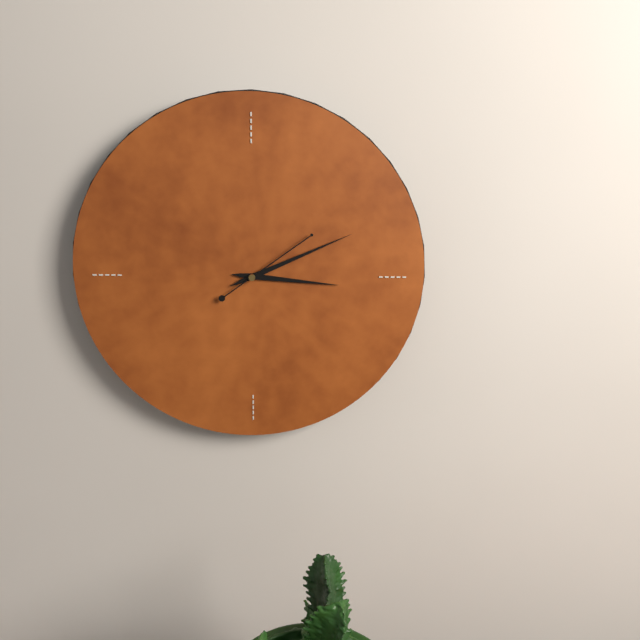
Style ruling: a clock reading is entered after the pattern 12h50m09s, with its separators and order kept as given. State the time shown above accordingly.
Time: 3h11m09s
